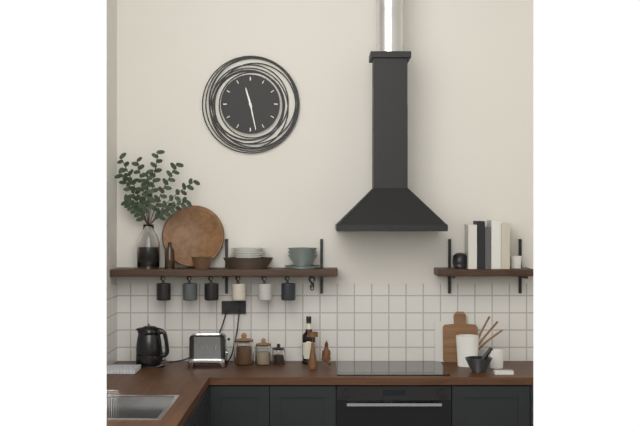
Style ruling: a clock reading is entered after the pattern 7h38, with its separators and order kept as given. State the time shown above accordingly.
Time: 11h28
